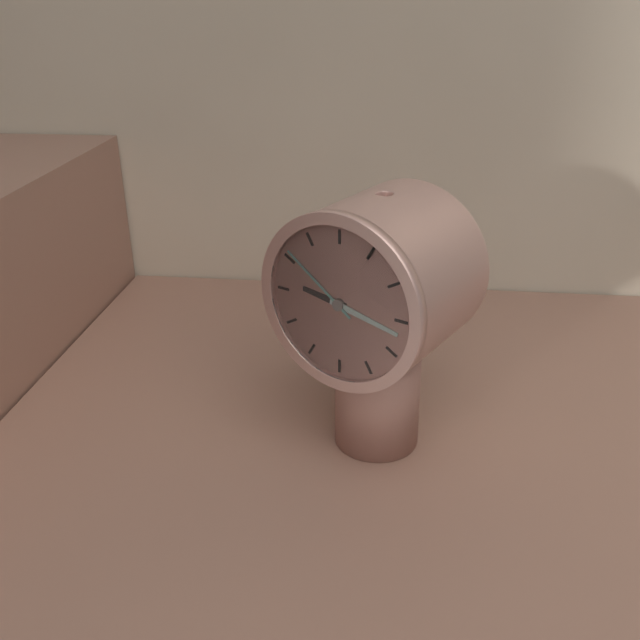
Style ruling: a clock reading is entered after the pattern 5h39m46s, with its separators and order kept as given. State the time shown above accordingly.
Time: 9h17m51s
